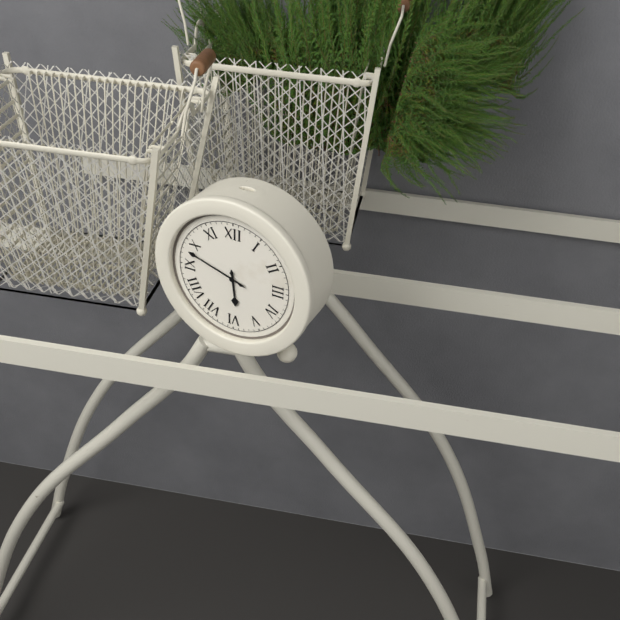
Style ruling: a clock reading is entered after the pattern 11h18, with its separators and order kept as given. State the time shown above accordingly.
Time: 5h48
